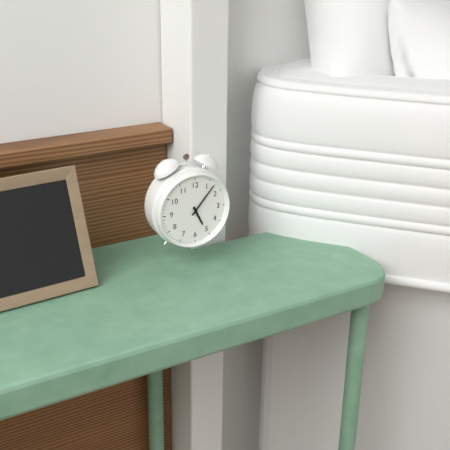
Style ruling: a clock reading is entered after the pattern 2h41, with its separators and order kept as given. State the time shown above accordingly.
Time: 5h07
